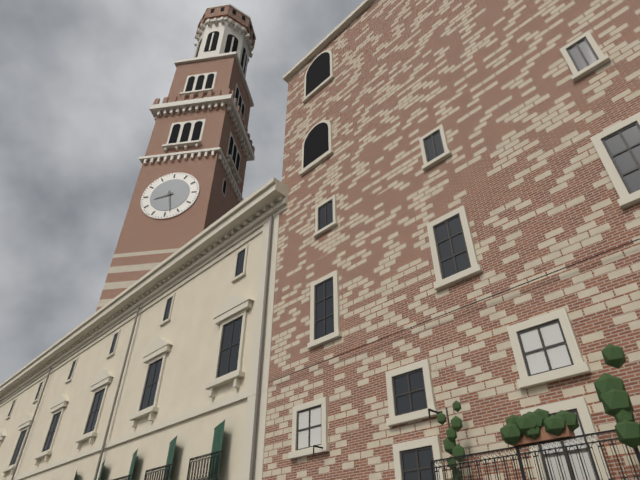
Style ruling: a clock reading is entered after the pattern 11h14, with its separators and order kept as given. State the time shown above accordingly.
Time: 8h28
